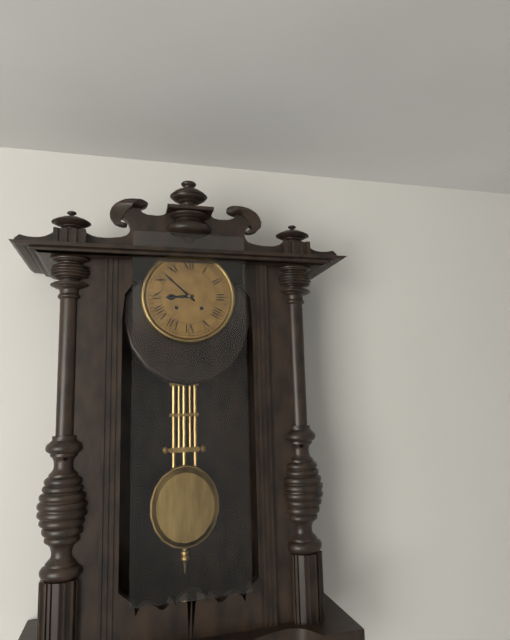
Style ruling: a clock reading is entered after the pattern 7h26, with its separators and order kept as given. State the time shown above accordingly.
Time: 8h52
